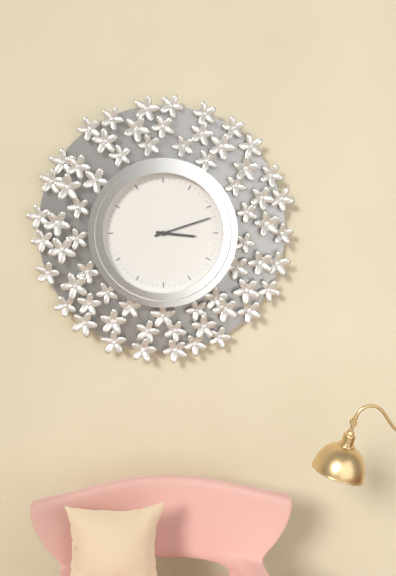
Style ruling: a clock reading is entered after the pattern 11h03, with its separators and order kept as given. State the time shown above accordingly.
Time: 3h12
